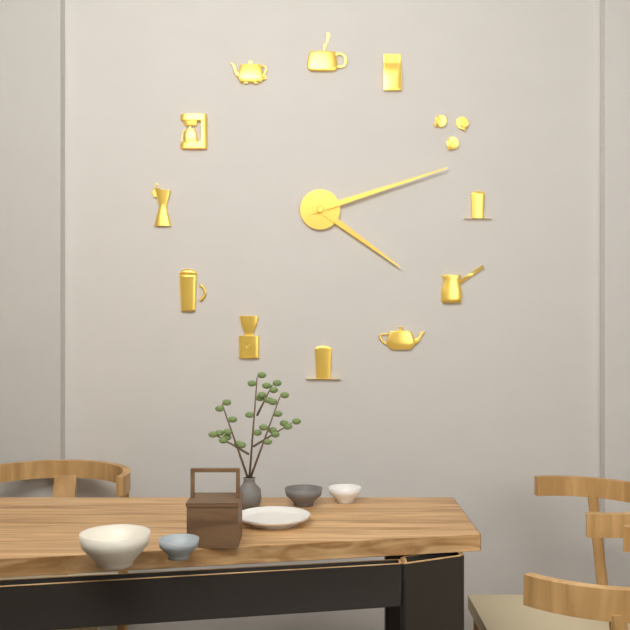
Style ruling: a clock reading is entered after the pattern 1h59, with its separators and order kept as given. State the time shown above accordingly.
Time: 4h12
